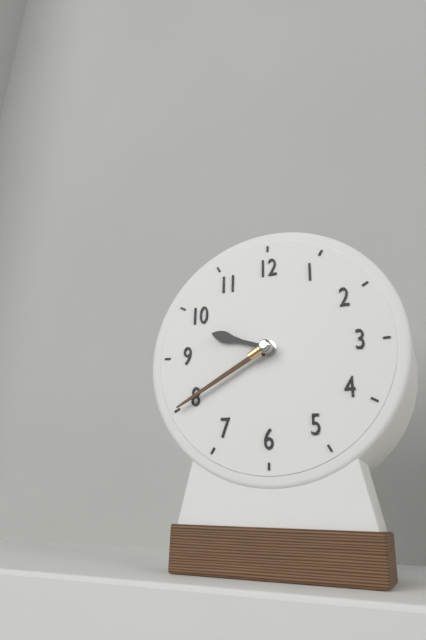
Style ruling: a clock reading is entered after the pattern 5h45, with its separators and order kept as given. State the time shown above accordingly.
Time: 9h40
